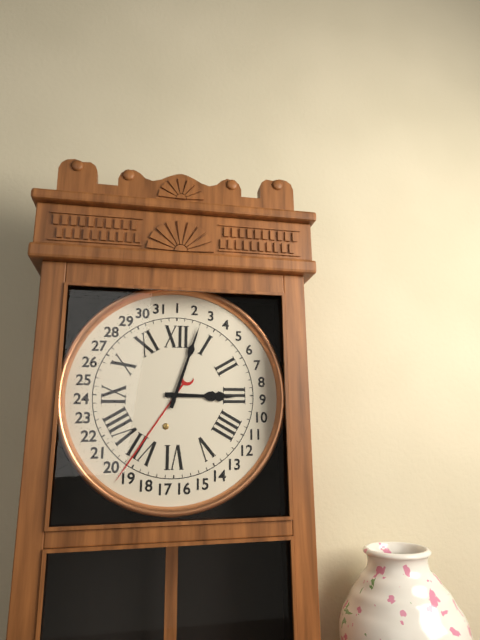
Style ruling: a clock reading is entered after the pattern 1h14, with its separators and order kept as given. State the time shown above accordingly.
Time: 3h03
